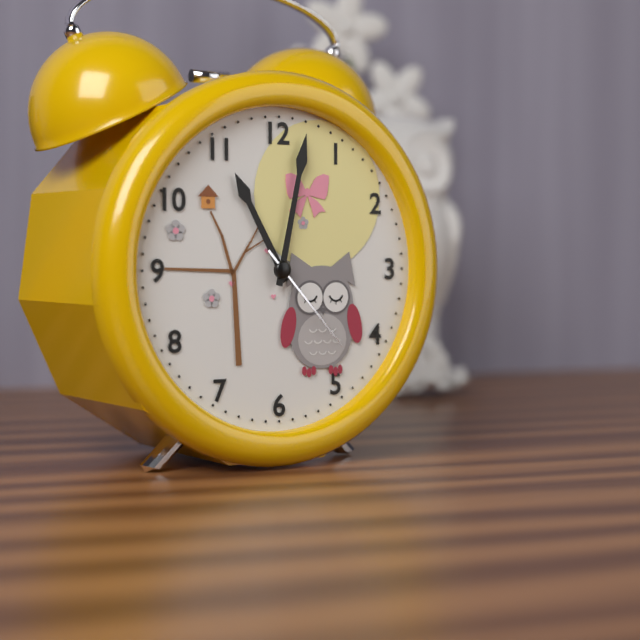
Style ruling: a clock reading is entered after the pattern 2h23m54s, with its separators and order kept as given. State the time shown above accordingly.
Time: 11h02m23s
